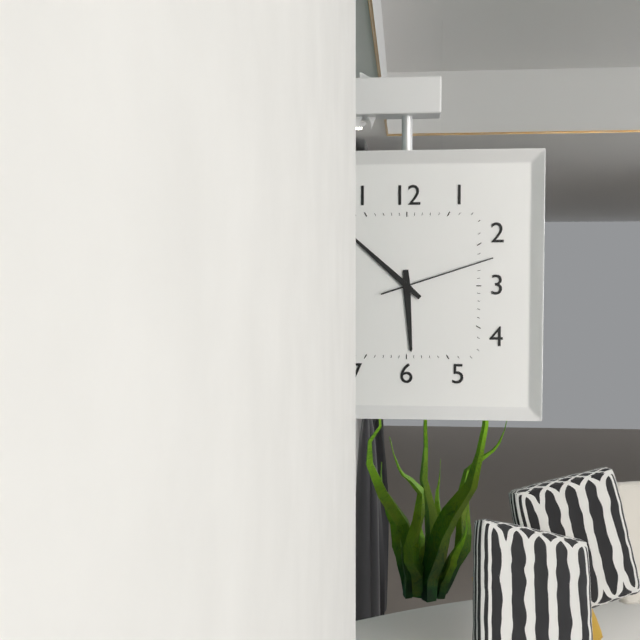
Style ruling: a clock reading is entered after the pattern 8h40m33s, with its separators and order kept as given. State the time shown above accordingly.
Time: 5h52m12s
